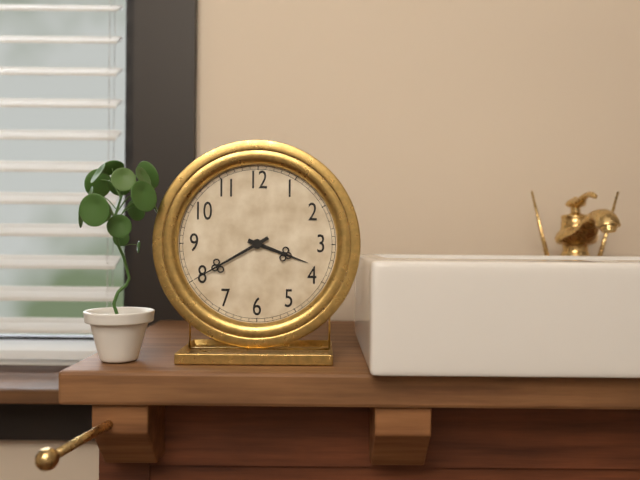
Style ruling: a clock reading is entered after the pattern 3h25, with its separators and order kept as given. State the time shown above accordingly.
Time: 3h40
